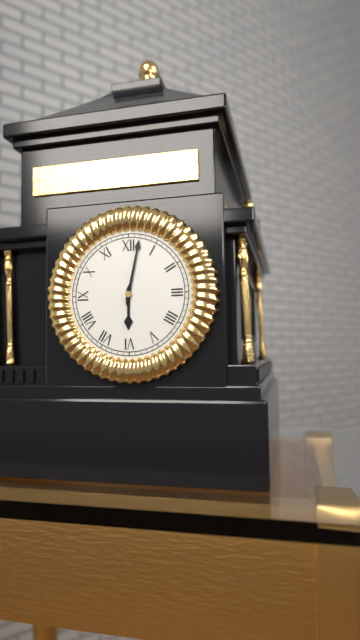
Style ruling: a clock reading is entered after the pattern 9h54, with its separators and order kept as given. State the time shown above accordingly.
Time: 6h02
